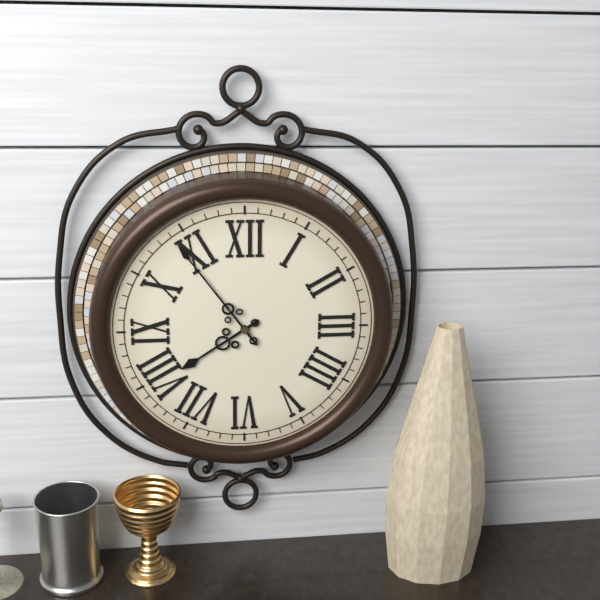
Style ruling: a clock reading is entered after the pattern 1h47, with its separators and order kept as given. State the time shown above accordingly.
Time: 7h54
